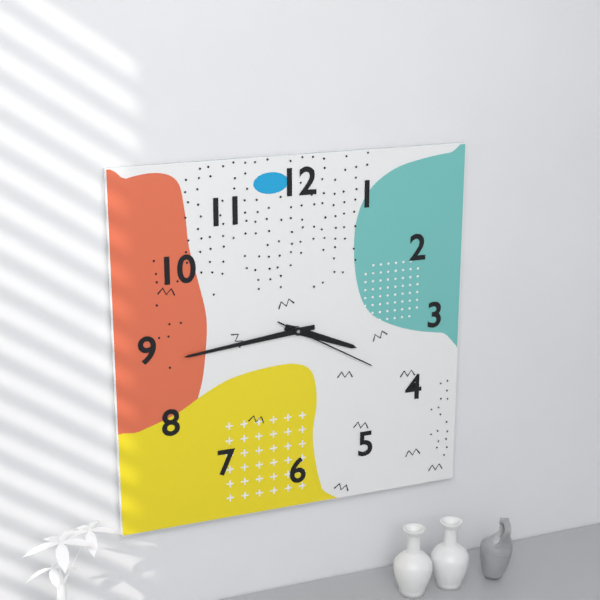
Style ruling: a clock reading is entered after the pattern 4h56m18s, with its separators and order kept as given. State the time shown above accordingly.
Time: 3h44m20s
